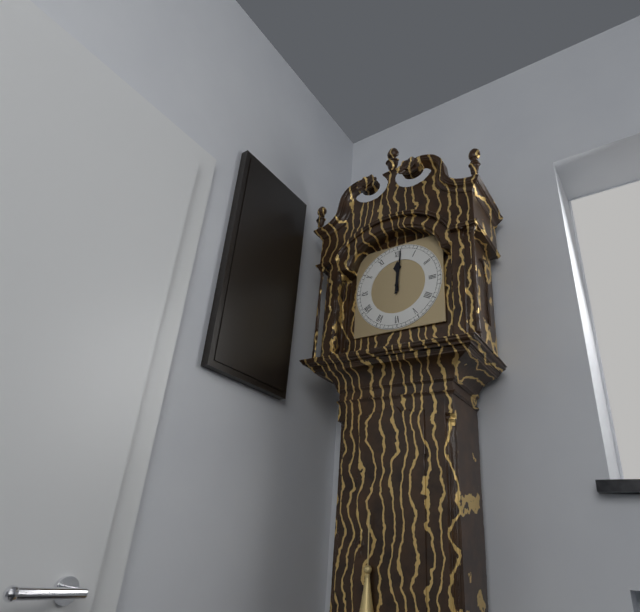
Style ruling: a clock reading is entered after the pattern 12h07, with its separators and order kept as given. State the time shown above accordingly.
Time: 12h01
